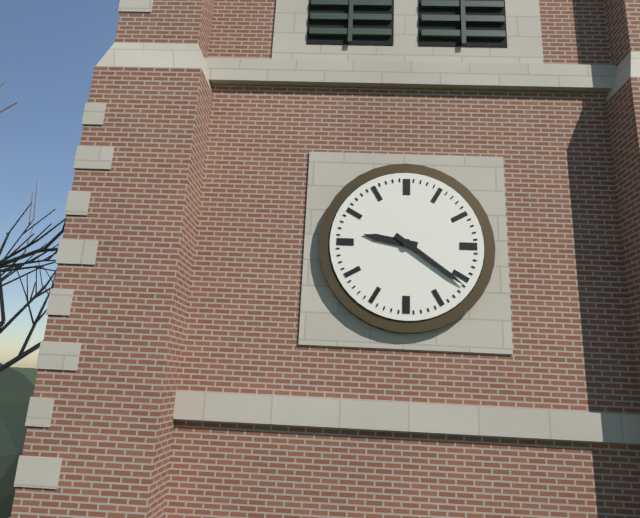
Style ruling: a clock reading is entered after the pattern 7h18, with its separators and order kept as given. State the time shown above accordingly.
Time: 9h21
